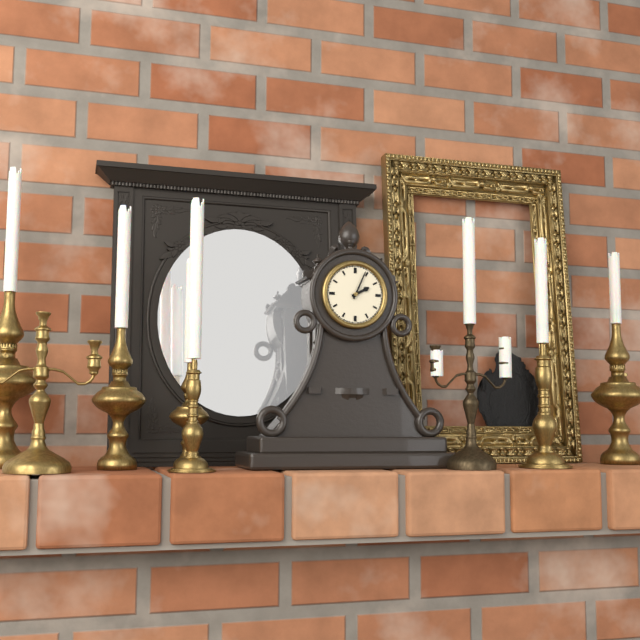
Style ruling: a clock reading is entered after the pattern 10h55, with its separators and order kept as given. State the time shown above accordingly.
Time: 2h04
